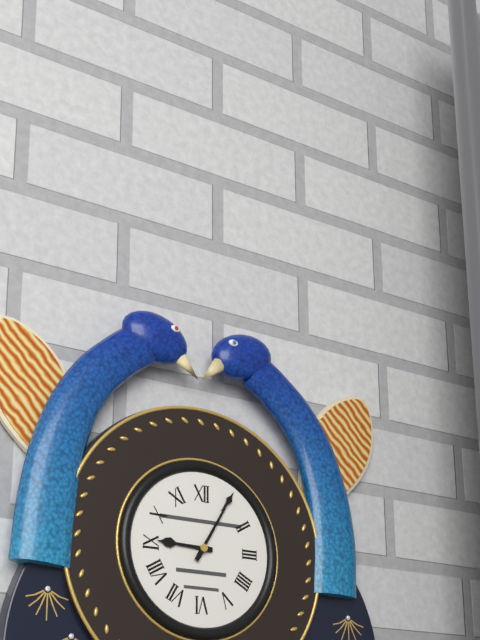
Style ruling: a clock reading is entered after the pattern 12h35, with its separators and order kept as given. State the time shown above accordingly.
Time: 9h05
